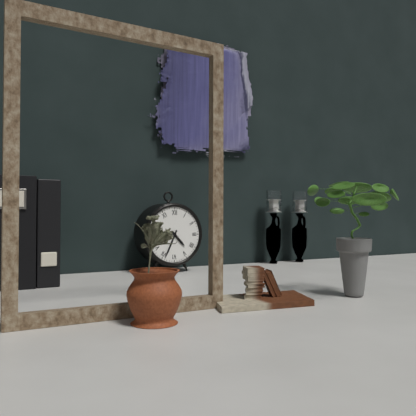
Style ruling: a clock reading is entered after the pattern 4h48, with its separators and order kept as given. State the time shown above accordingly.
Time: 4h34
